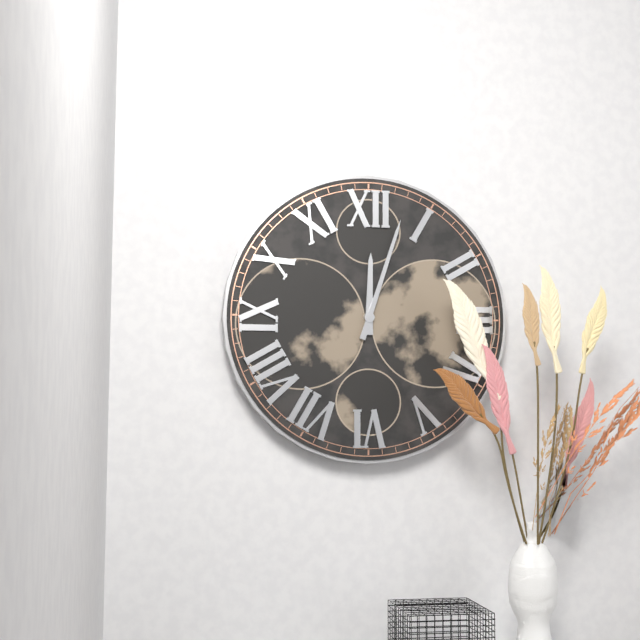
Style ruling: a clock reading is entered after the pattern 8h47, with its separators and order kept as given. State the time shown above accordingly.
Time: 12h03
